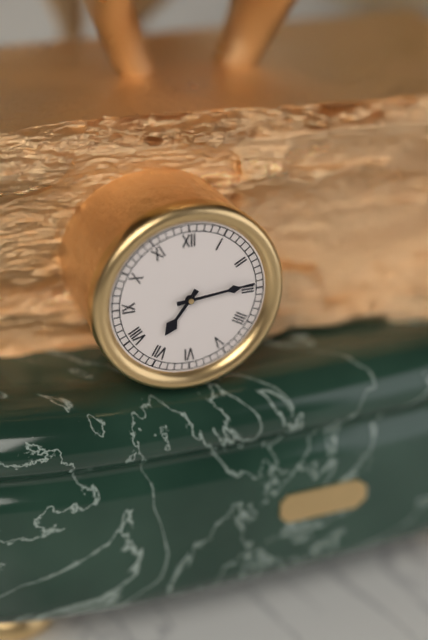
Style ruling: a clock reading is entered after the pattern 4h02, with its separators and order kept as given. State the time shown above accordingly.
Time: 7h14
